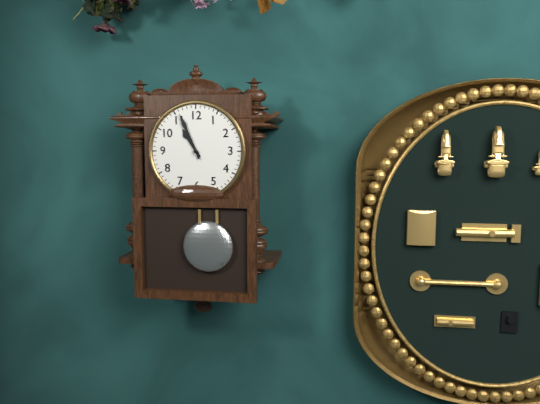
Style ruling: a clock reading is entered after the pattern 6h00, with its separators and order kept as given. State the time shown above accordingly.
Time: 10h56
